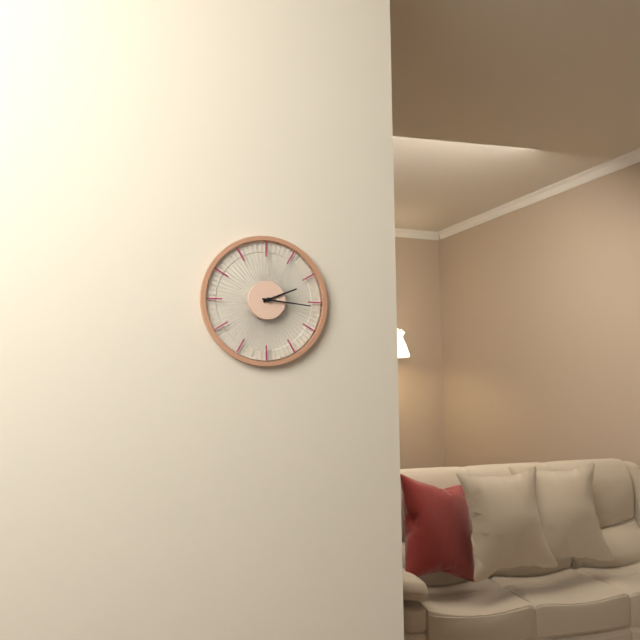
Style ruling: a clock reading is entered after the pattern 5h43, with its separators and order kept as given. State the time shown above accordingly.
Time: 2h16
